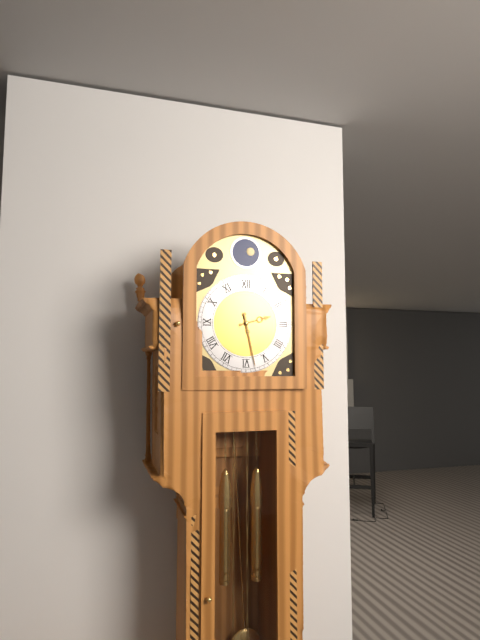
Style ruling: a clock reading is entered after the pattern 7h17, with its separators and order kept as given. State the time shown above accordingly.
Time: 2h28
